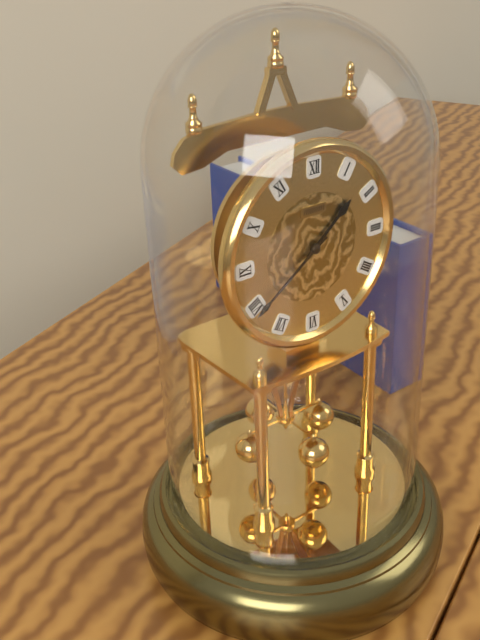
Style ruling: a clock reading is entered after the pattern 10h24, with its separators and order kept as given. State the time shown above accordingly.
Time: 1h39
